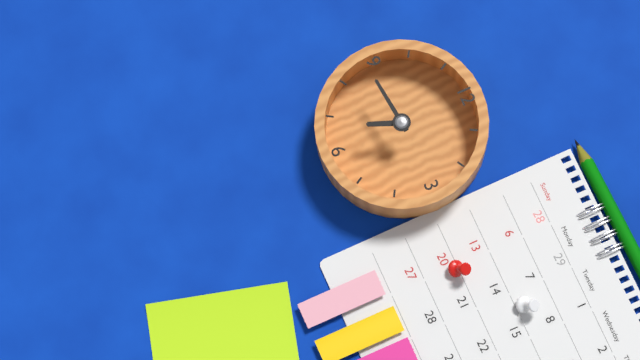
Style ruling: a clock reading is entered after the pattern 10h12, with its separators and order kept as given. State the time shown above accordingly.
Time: 6h44
